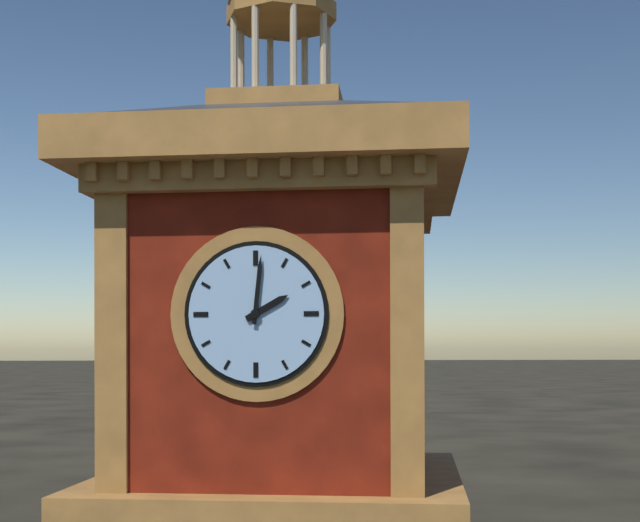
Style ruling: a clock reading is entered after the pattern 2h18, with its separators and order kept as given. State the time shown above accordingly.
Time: 2h01
